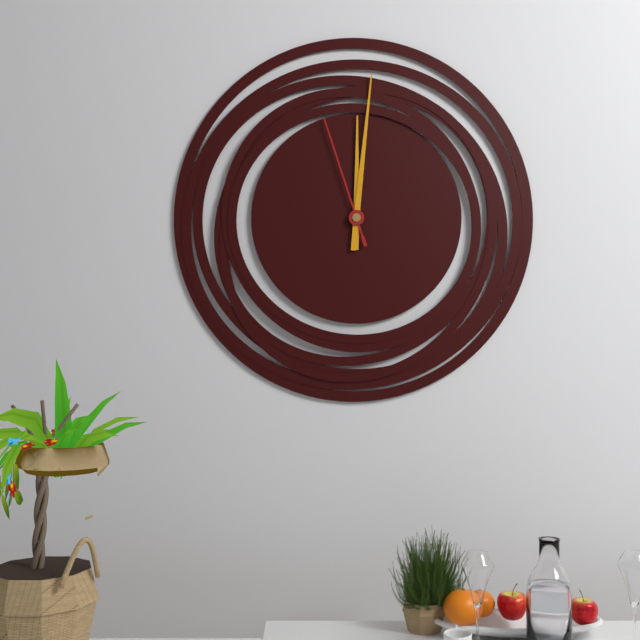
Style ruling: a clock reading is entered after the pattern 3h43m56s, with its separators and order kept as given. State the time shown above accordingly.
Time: 12h01m57s
